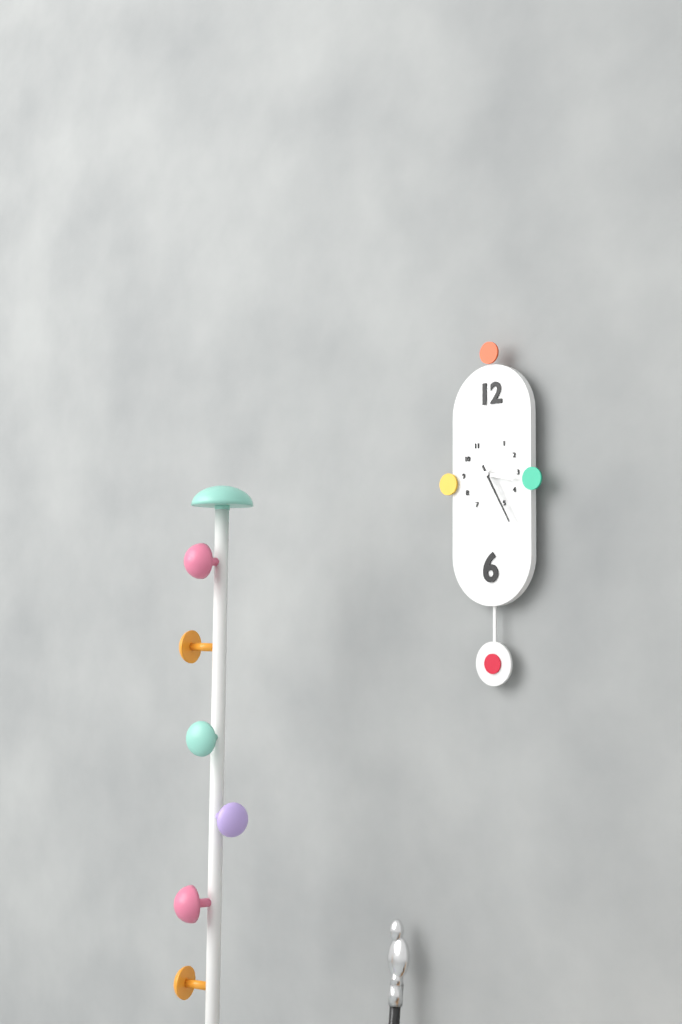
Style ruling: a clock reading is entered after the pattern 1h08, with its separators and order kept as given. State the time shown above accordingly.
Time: 3h25
